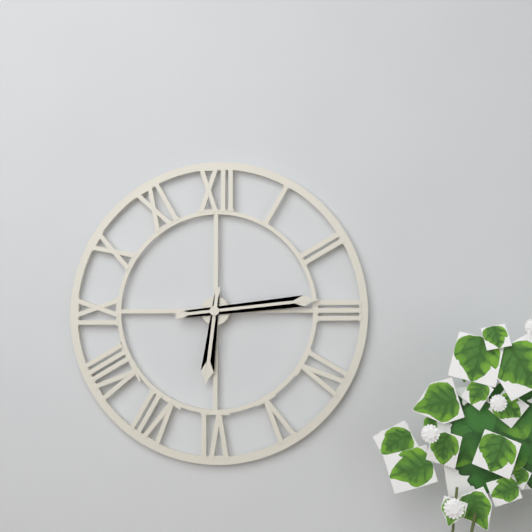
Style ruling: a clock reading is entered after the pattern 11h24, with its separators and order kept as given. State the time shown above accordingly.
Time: 6h14
